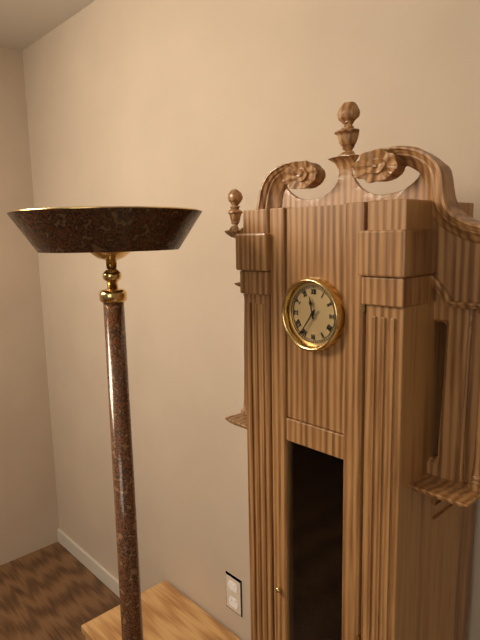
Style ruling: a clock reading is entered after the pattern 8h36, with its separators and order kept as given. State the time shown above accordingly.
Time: 11h36
